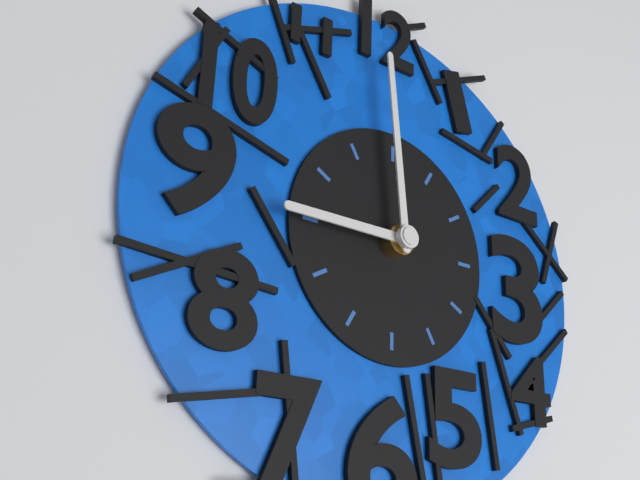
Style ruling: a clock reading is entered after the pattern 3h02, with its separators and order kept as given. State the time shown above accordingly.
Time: 8h59
